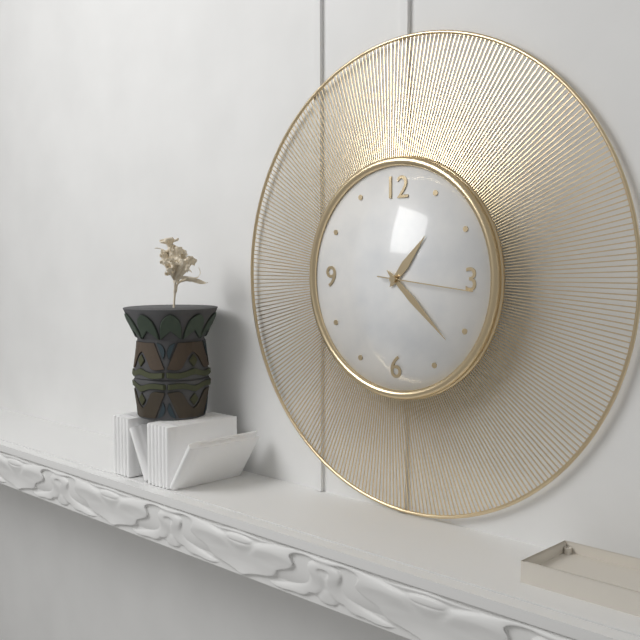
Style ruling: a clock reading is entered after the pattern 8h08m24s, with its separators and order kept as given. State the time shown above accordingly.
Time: 1h22m16s
